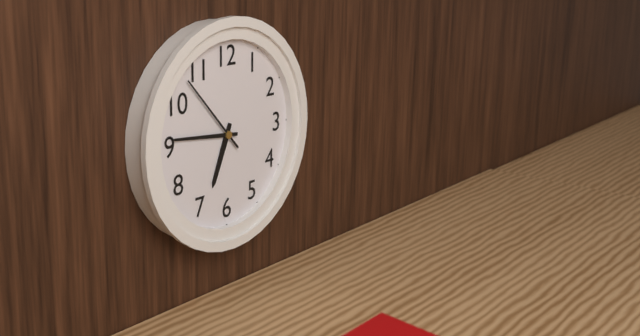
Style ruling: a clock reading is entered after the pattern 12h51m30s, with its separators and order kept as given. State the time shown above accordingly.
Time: 6h46m53s
